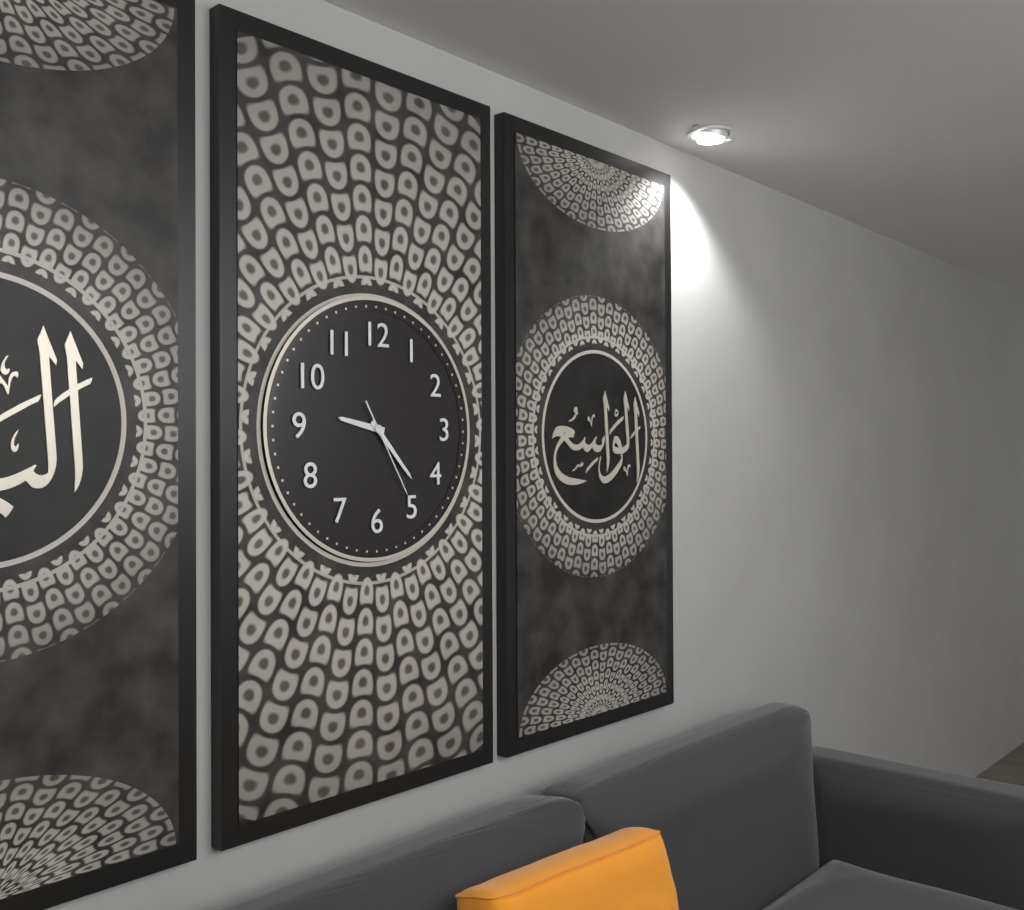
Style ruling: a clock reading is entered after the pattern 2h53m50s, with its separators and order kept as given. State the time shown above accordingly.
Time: 9h23m25s
